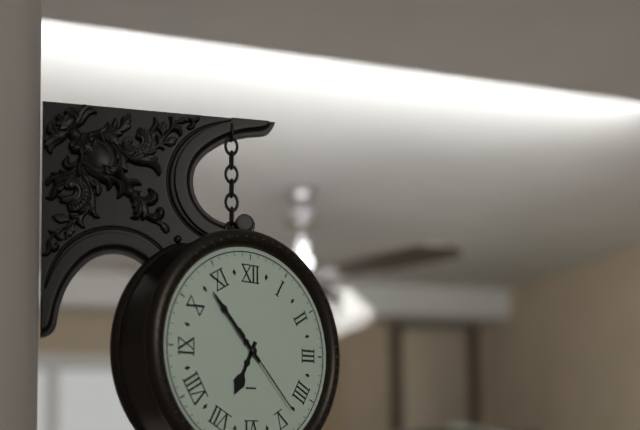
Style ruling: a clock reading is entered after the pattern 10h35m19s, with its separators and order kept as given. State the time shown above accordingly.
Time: 6h53m23s
